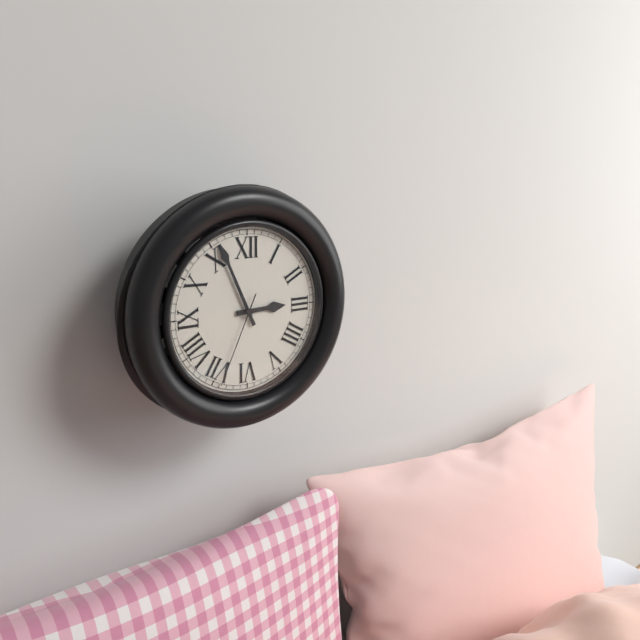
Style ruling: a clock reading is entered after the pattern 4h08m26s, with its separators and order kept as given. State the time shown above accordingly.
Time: 2h56m34s
